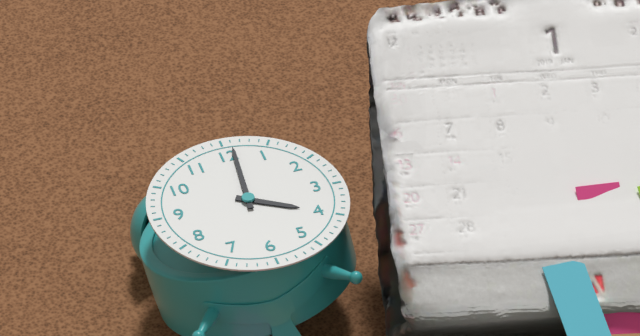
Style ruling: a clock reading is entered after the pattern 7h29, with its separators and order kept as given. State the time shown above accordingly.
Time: 4h01
